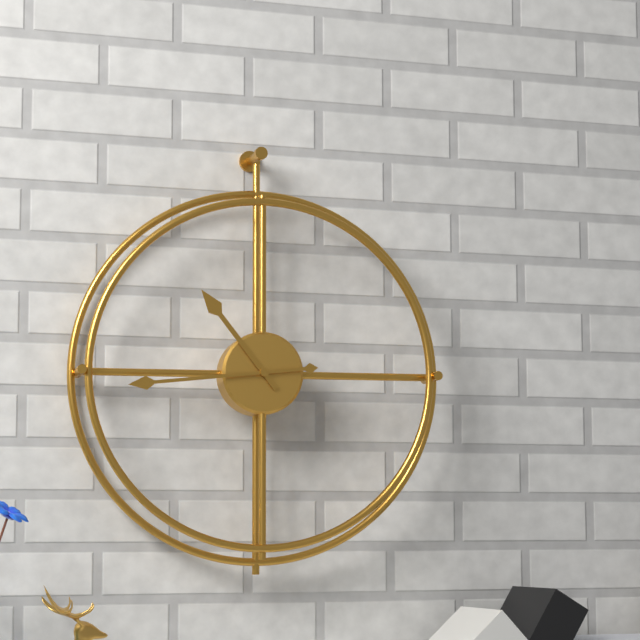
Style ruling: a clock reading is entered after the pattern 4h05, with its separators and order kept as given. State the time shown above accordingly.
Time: 10h44
